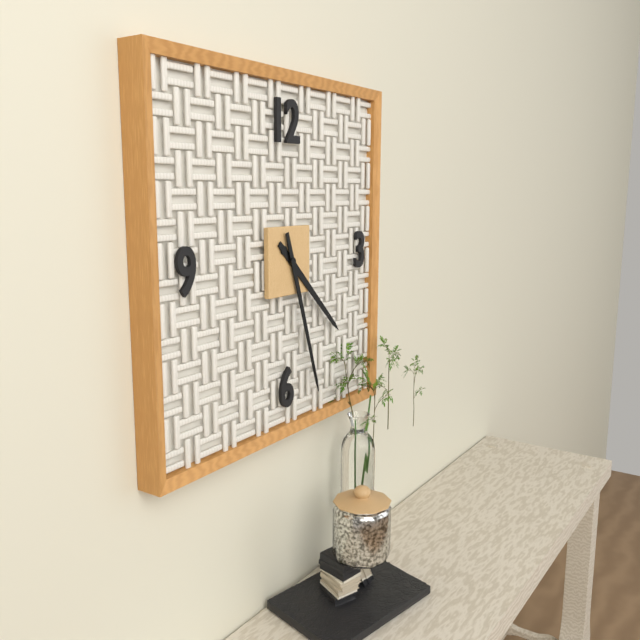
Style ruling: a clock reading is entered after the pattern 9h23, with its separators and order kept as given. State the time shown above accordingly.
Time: 4h27
